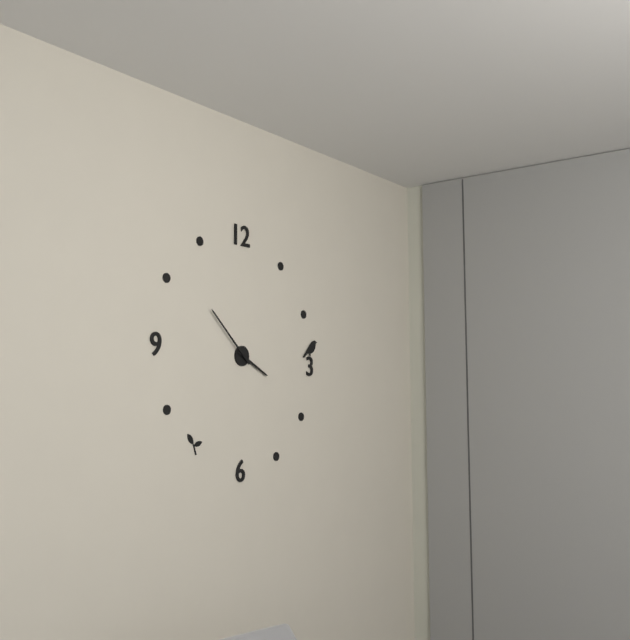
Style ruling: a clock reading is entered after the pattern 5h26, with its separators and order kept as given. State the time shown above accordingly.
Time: 3h52
